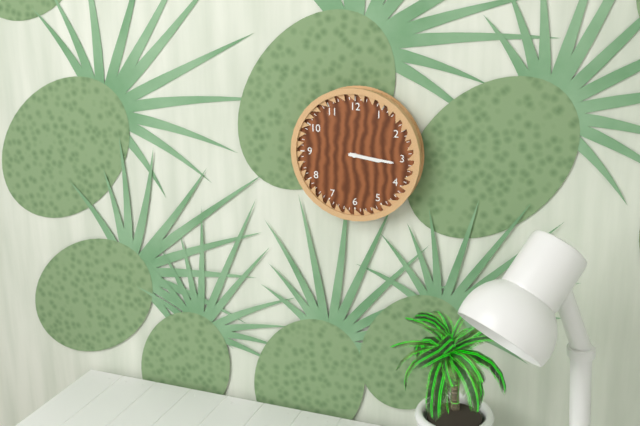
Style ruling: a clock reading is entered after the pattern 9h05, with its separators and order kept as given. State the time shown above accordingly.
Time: 3h16
